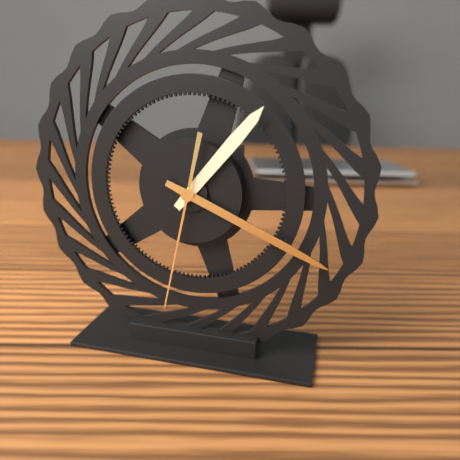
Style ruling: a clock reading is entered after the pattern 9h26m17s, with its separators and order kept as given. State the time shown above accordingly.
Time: 1h19m32s
